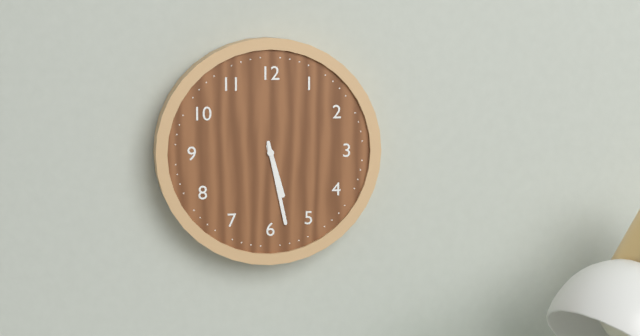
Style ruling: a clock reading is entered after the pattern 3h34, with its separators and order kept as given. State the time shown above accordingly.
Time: 5h28
